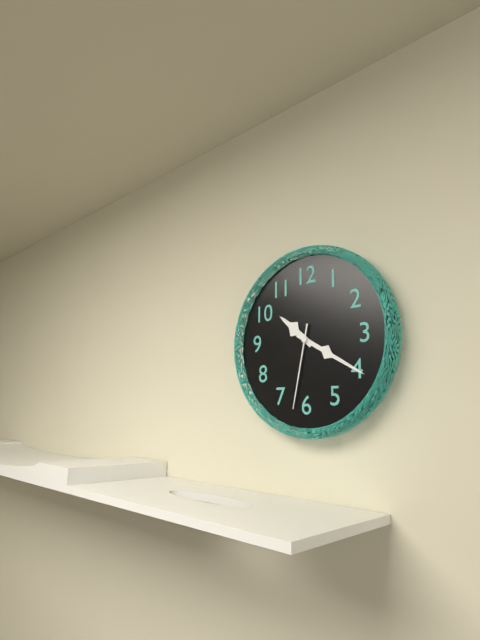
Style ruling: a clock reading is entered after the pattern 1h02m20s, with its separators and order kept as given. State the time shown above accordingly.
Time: 10h20m32s
